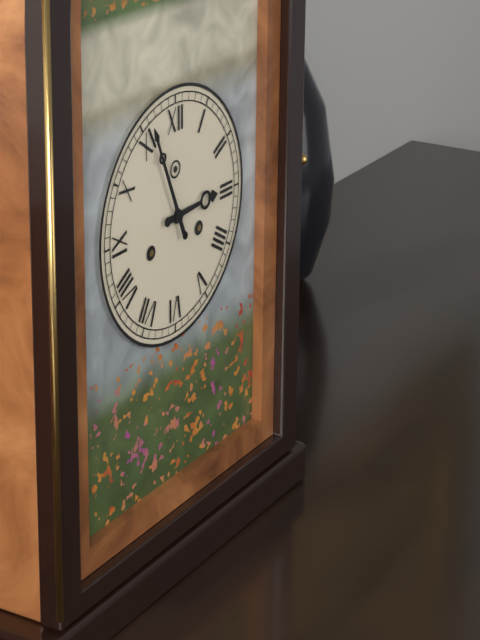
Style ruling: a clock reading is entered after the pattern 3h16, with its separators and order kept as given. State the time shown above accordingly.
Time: 2h56
